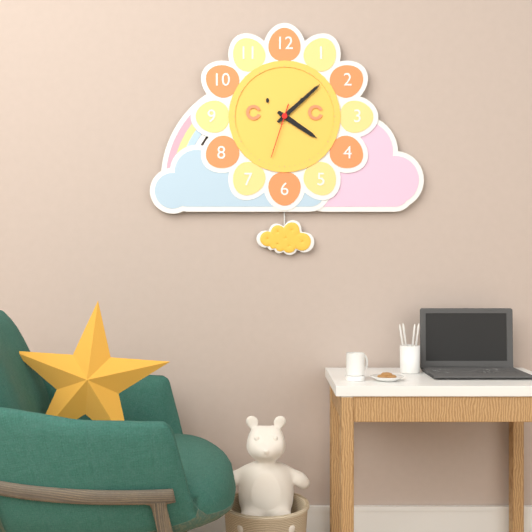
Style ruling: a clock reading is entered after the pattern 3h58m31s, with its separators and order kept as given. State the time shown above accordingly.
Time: 4h08m33s
